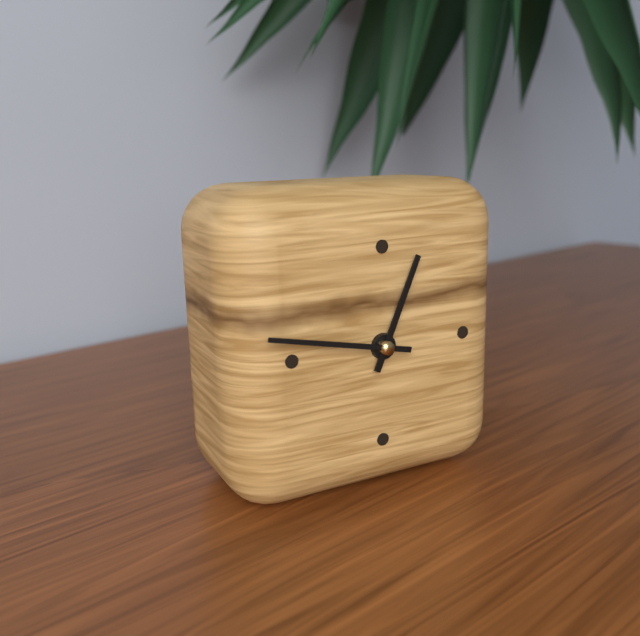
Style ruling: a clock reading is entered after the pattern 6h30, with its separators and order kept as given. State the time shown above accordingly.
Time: 12h47
